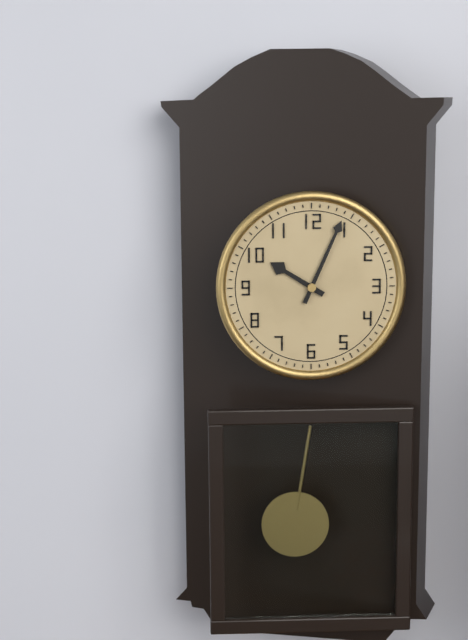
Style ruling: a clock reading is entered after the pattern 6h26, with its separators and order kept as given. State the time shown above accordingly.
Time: 10h04
